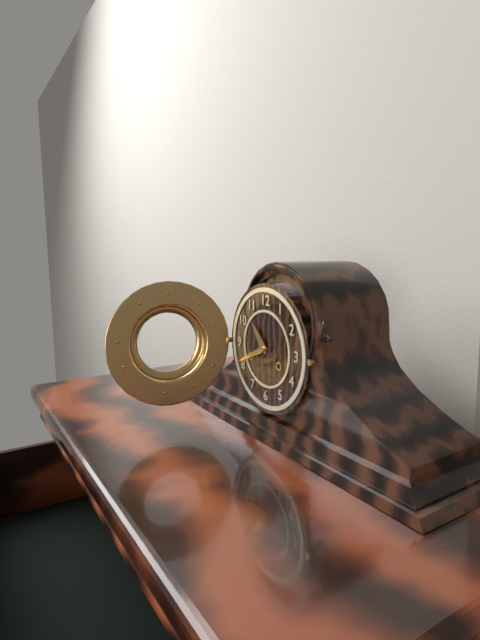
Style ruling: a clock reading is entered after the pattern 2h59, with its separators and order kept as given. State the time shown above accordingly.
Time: 10h41
